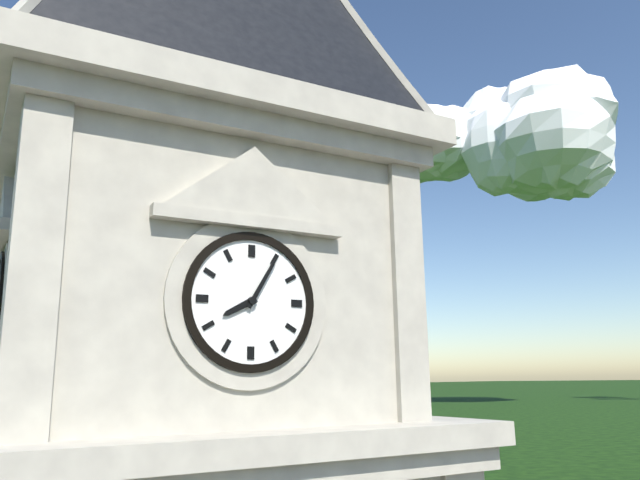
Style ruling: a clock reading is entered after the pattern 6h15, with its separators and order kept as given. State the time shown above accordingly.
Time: 8h05
